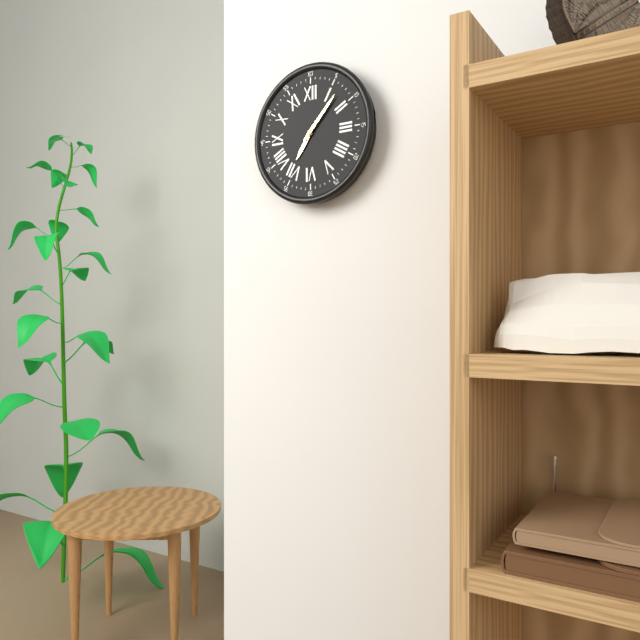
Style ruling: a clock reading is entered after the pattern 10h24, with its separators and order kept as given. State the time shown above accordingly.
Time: 7h07
